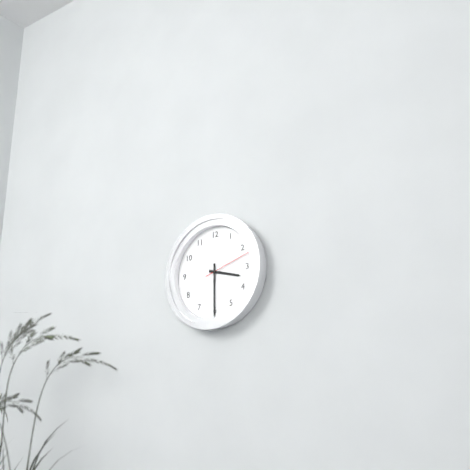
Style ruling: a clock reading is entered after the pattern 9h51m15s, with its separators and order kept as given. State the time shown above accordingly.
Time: 3h30m12s
